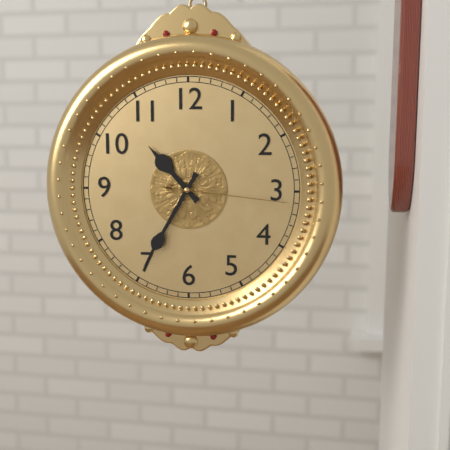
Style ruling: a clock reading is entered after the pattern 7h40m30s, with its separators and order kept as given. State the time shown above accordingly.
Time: 10h35m16s
